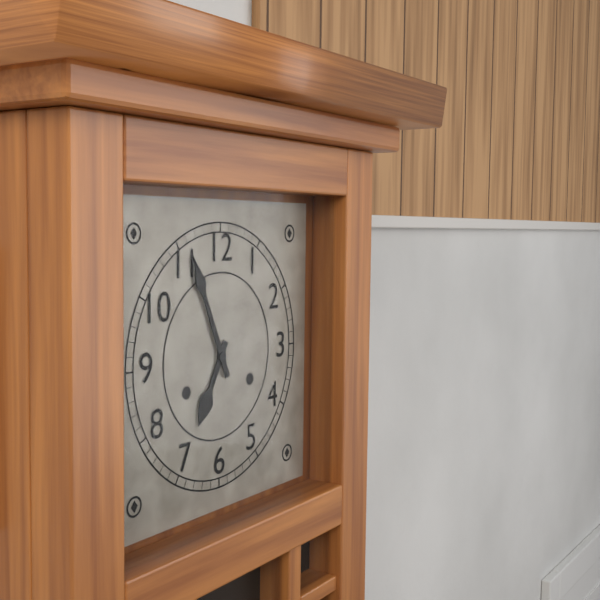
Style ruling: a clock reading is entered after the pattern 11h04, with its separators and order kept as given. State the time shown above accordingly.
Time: 6h56
